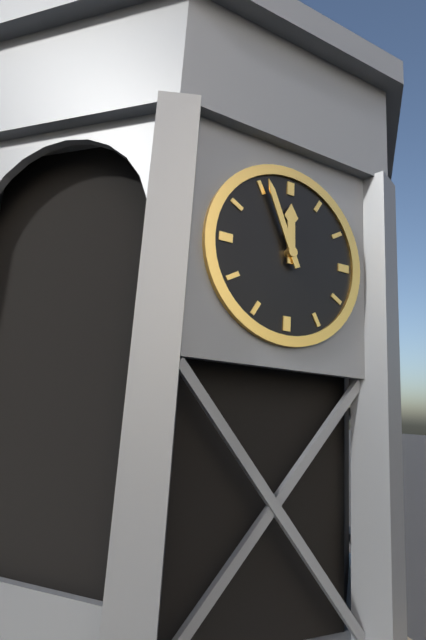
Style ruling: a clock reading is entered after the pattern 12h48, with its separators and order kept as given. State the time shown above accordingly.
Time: 11h56
